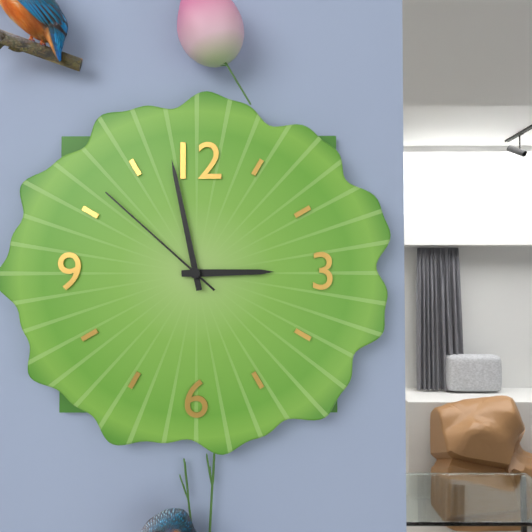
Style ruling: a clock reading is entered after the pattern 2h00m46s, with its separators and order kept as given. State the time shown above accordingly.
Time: 2h58m52s
